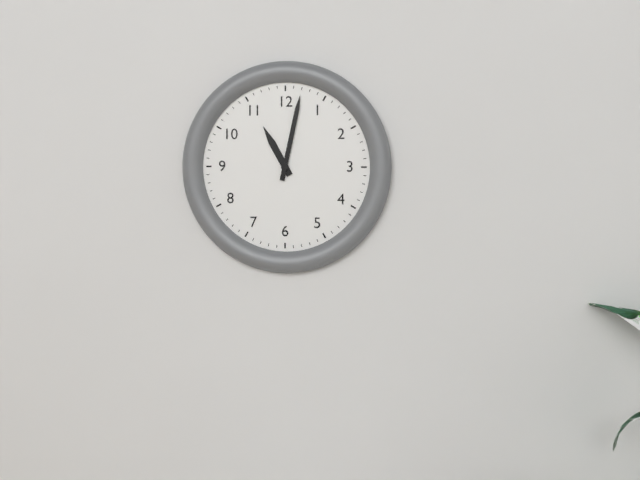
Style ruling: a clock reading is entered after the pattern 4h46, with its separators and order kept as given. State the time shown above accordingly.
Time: 11h02
